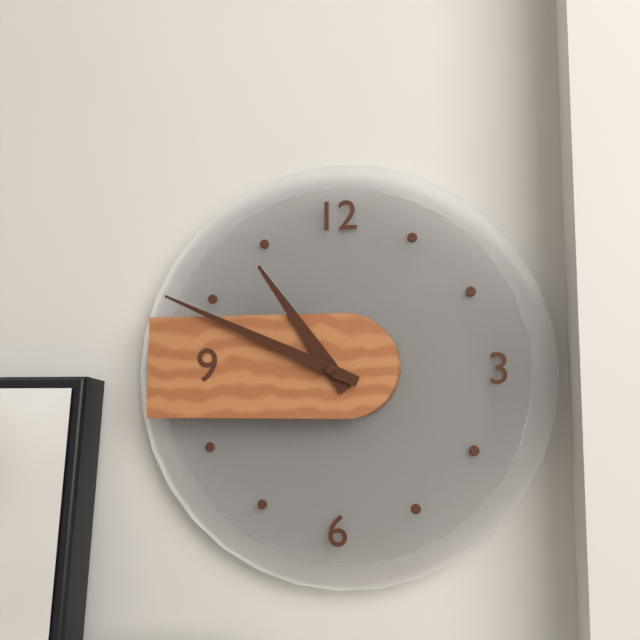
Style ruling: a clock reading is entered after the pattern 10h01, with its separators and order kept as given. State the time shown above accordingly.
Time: 10h49
